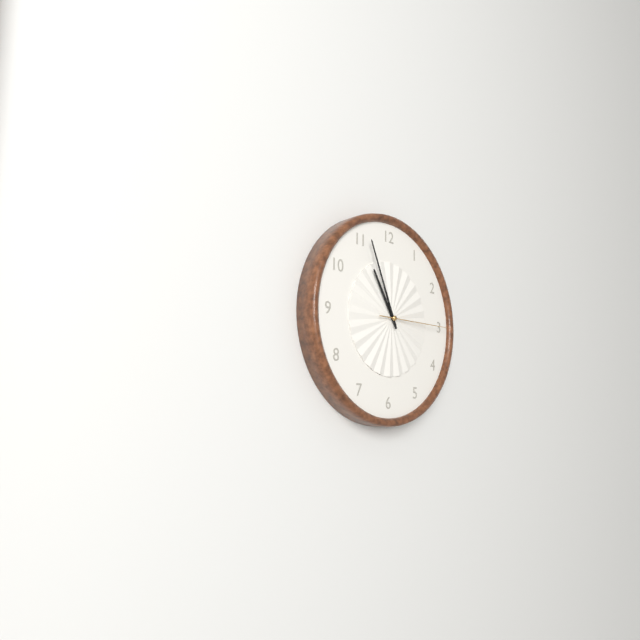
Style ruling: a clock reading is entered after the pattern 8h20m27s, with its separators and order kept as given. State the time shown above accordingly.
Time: 10h56m15s
